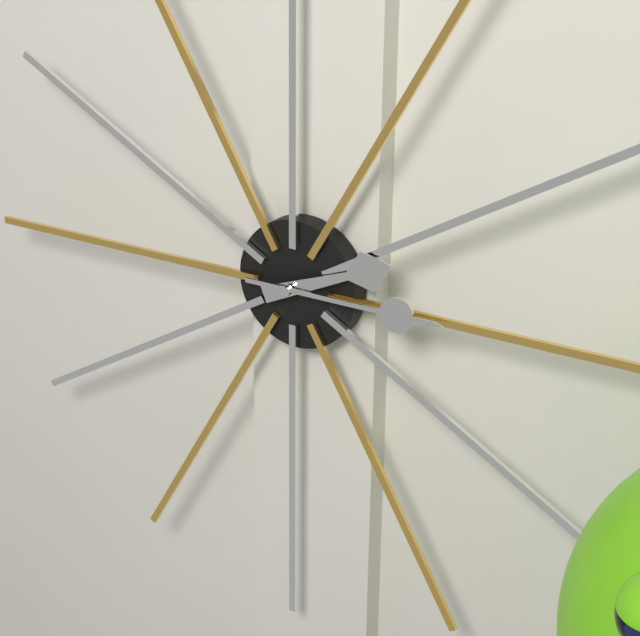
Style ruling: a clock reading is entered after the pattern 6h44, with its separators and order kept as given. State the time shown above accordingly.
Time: 2h15
